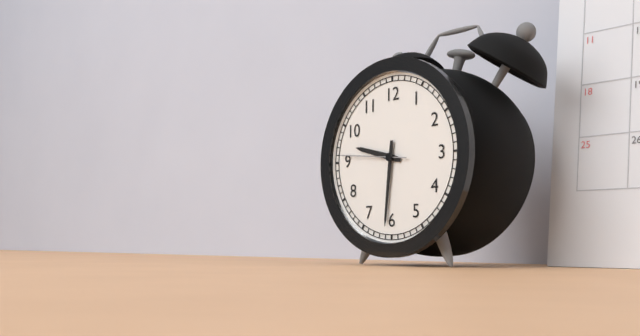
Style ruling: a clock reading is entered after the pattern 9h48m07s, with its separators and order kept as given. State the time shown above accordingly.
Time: 9h31m46s
